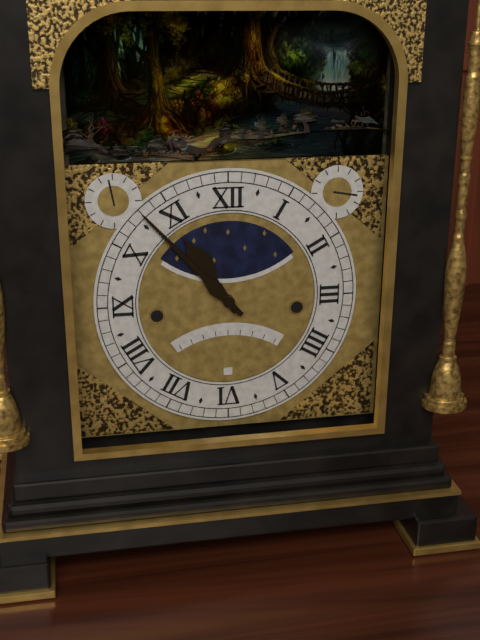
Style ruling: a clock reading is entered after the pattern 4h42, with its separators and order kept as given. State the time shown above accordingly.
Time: 10h53
